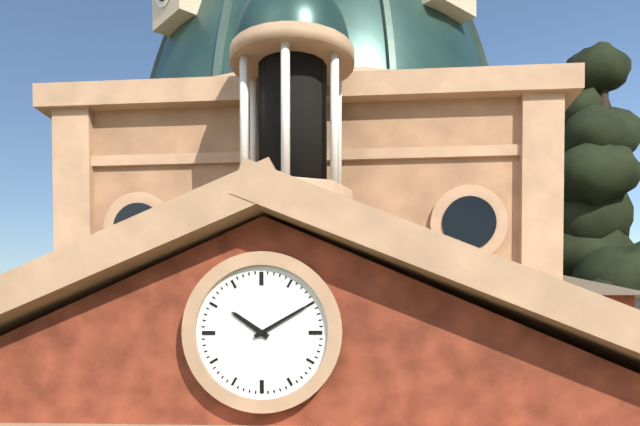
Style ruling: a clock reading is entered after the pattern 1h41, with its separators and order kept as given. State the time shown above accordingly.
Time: 10h10
